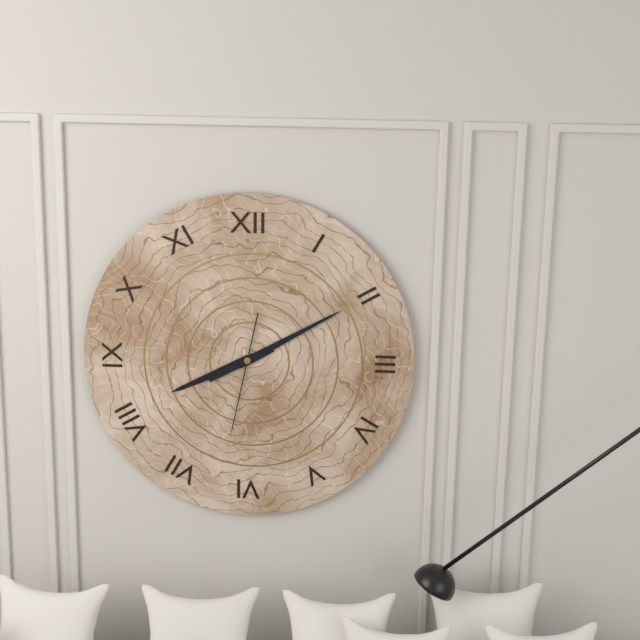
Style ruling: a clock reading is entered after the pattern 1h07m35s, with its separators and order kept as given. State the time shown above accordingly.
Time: 8h10m32s
